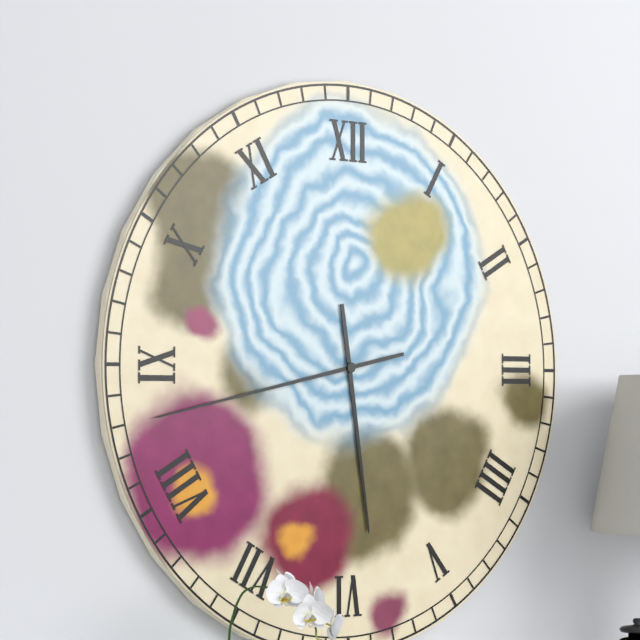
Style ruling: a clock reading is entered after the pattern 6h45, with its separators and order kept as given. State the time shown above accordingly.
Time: 5h43
